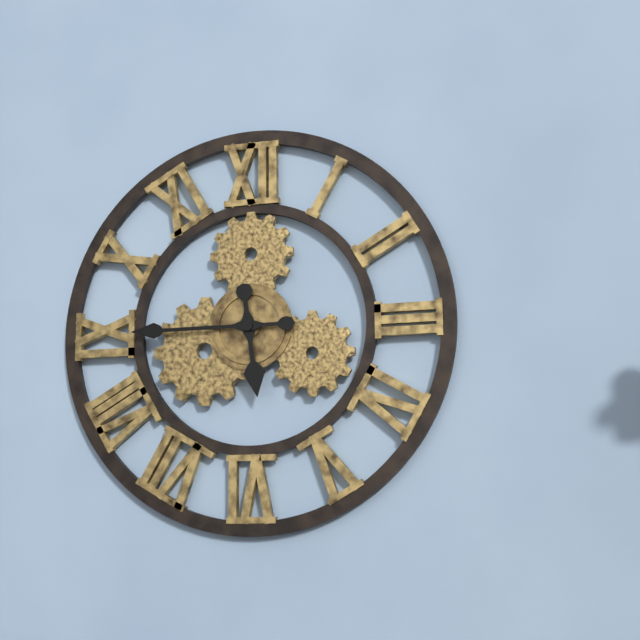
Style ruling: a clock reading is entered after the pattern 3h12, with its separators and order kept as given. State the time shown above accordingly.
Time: 5h45
